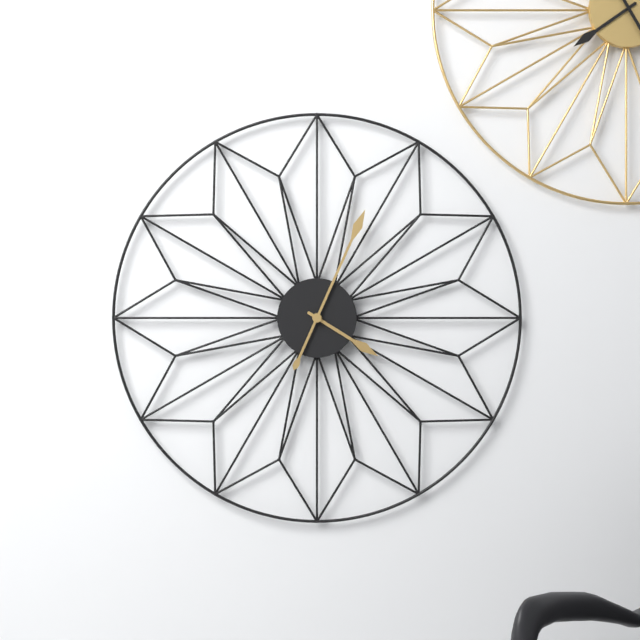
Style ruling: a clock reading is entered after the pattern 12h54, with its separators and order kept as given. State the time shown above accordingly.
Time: 4h04
